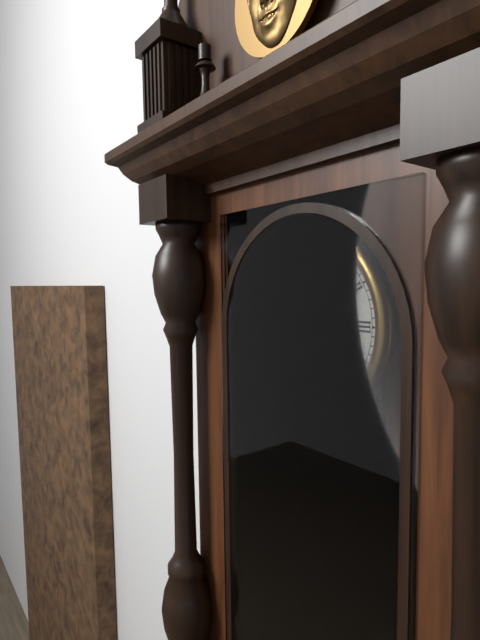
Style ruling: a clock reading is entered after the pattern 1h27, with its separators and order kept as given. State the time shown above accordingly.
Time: 7h08
